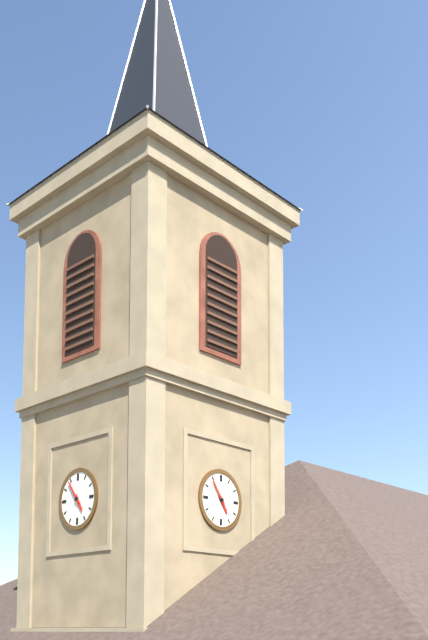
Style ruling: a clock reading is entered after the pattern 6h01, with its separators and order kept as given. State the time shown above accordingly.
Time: 4h54
